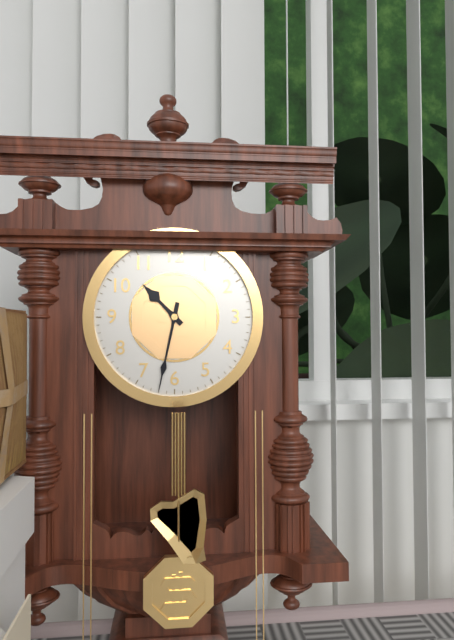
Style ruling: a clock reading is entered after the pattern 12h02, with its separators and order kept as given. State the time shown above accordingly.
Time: 10h32
